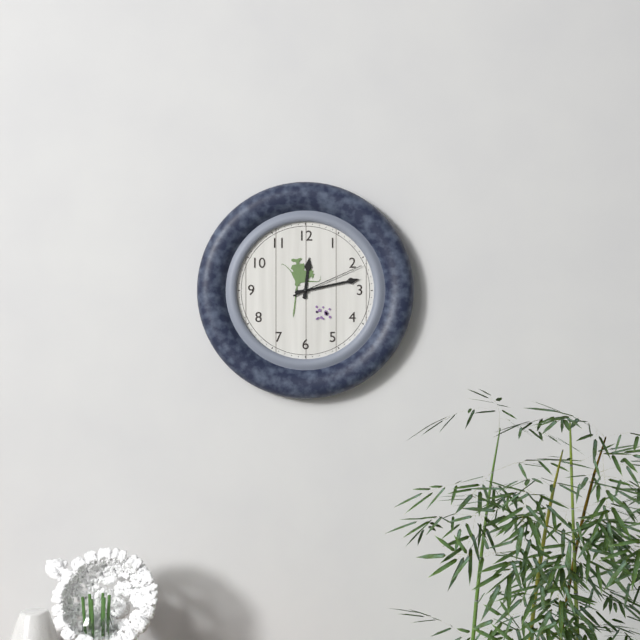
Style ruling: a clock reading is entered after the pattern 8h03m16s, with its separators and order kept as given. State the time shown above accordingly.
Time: 12h13m11s
